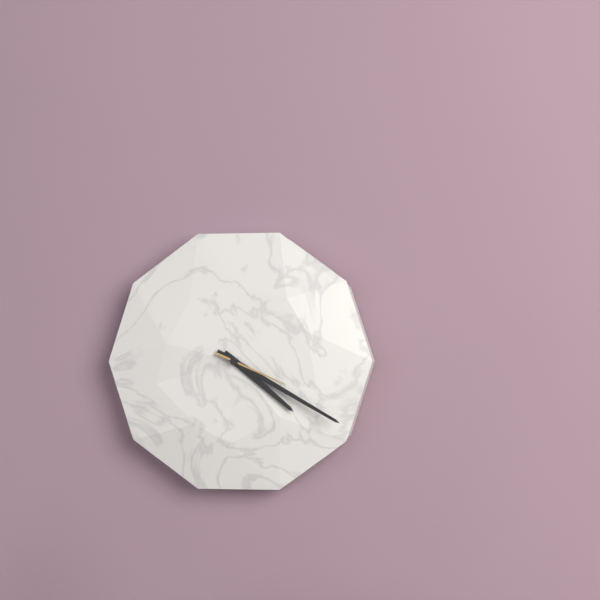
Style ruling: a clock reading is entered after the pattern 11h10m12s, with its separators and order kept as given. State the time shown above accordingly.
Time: 4h20m19s
